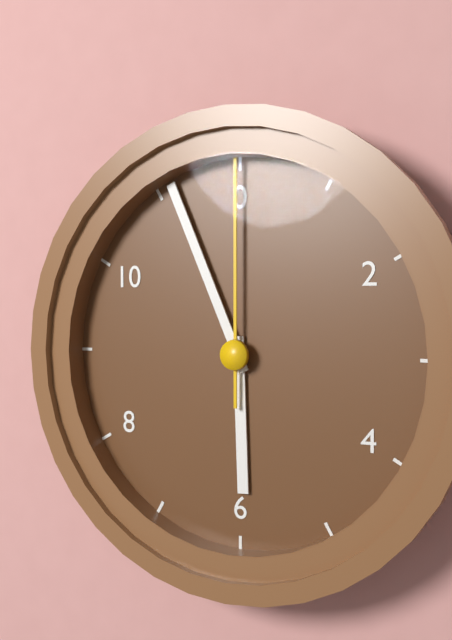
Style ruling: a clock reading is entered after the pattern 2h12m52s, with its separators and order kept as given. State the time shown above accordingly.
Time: 5h56m00s
